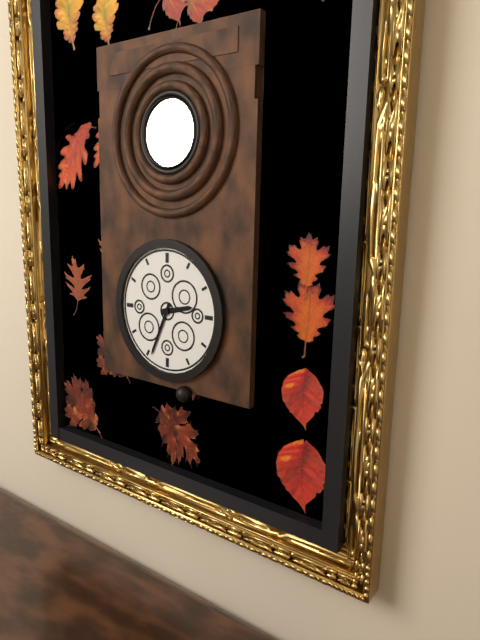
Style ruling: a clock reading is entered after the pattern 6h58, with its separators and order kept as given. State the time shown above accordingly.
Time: 2h34
